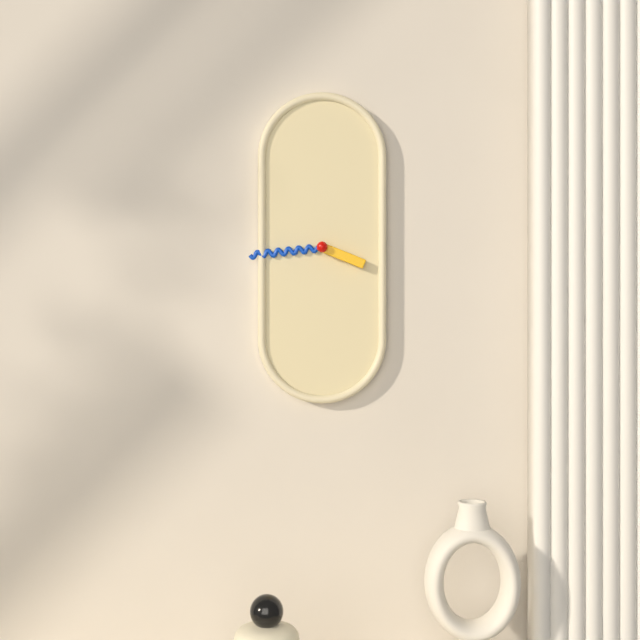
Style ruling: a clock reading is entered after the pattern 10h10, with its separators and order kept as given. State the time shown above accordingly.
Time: 3h44
